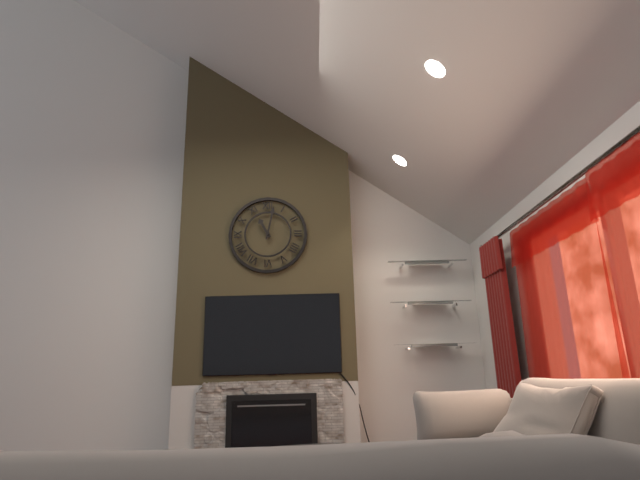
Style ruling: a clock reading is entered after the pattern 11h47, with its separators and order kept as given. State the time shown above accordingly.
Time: 11h02
